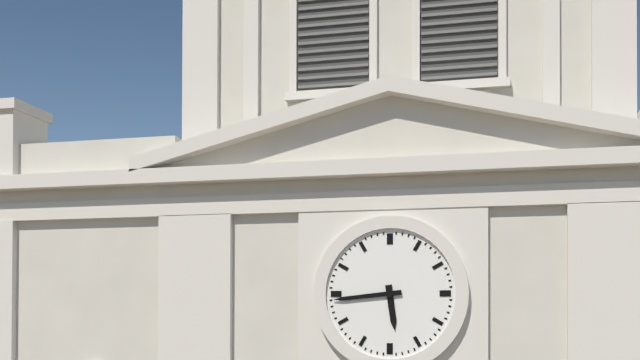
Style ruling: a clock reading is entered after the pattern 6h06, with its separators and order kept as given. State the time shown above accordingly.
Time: 5h44
